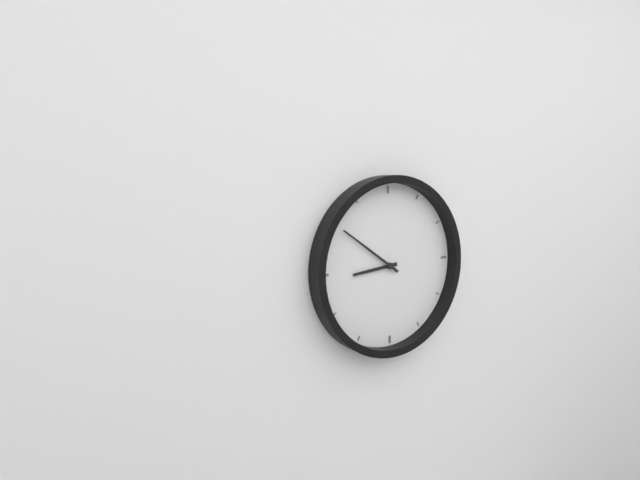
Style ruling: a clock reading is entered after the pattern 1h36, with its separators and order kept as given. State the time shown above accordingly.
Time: 8h51
